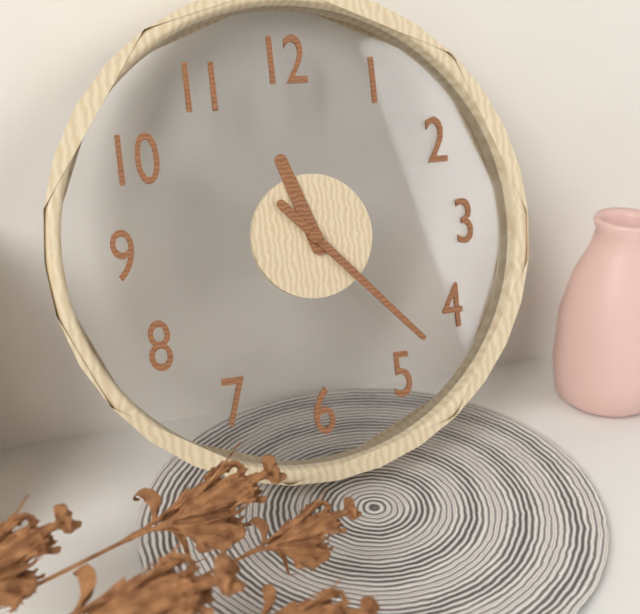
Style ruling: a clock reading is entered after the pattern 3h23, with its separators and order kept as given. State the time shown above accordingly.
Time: 11h23
